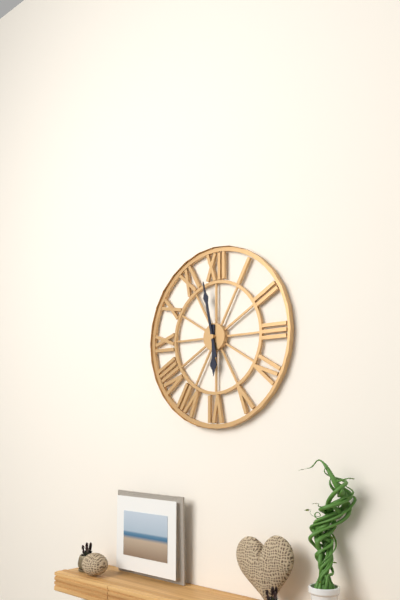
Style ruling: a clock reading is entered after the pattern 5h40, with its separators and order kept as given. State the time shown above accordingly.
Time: 5h58
